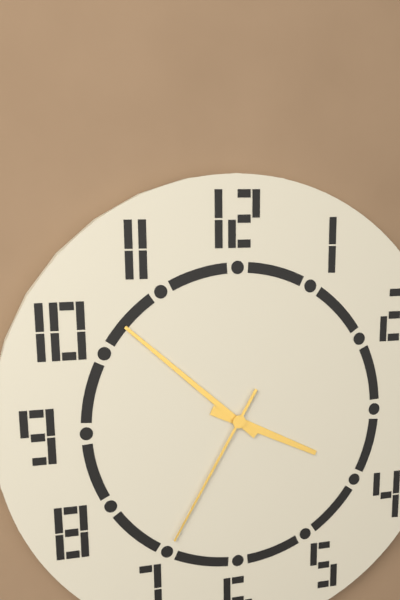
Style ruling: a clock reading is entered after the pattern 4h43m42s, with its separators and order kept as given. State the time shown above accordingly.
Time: 3h52m35s
